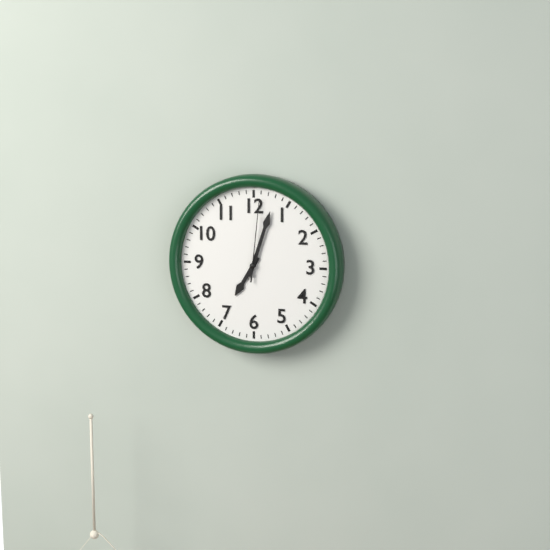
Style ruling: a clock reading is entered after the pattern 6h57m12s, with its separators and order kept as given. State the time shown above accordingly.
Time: 7h03m01s
